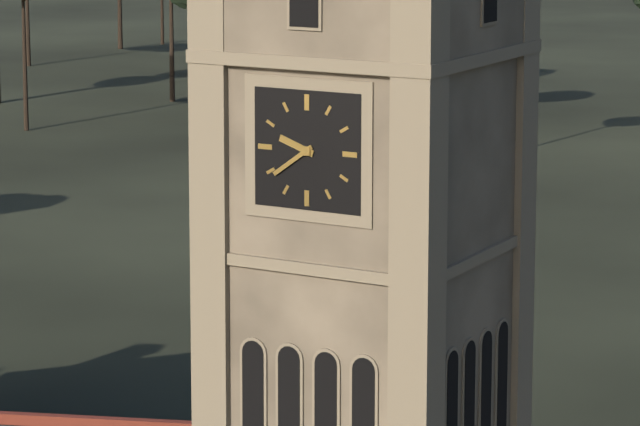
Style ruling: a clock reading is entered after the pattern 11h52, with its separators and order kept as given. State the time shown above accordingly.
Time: 9h39
